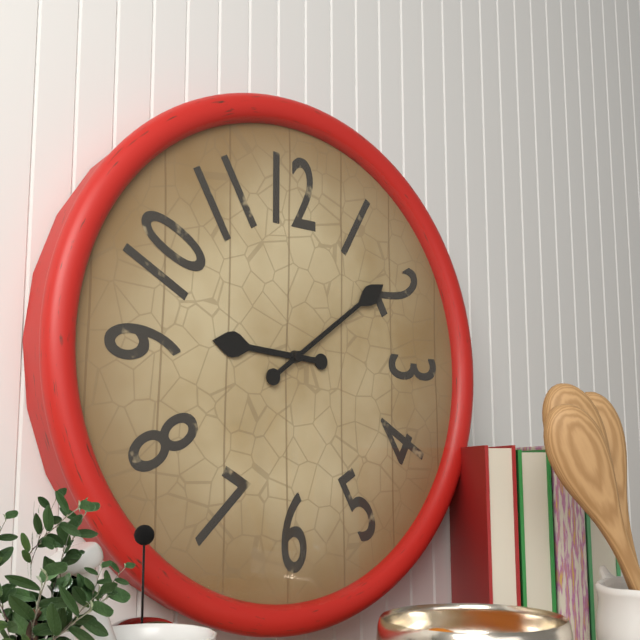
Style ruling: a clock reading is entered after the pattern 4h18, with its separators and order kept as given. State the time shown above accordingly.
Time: 9h09
